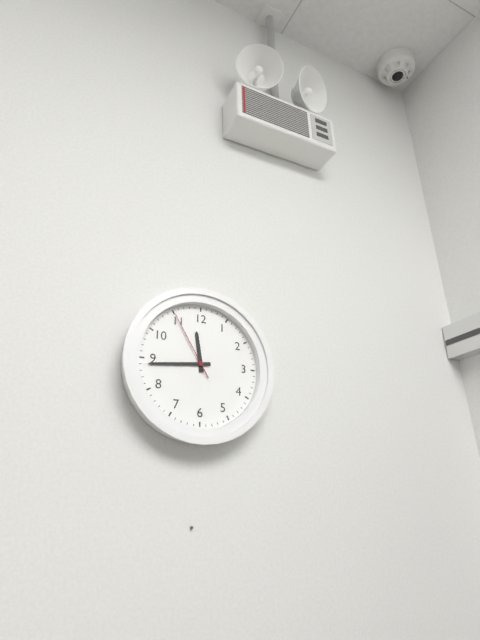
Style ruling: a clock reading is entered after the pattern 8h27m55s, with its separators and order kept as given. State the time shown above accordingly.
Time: 11h44m55s
